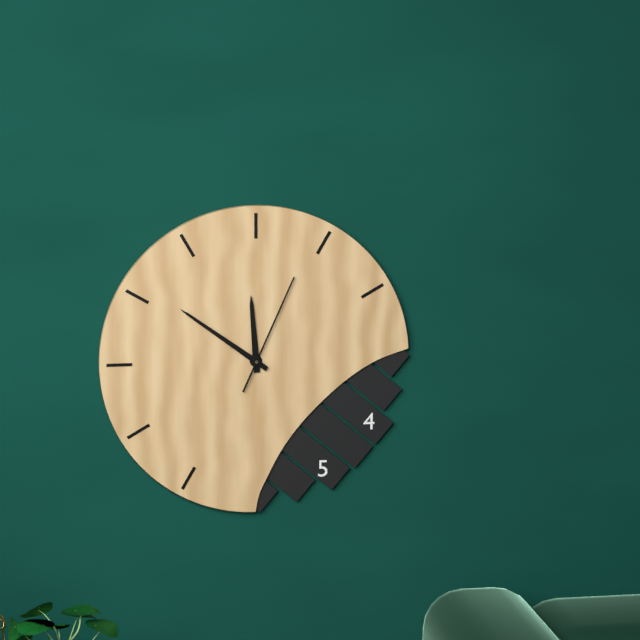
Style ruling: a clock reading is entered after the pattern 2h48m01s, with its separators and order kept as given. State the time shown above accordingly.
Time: 11h51m04s
